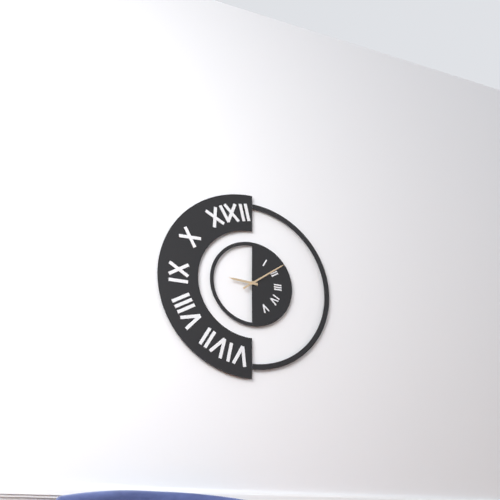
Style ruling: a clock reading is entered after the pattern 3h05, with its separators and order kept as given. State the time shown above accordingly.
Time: 9h09
